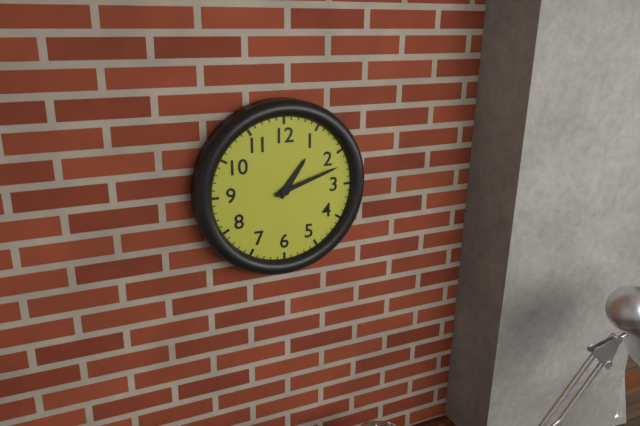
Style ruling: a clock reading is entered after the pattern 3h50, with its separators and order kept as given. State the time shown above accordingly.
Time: 1h12
